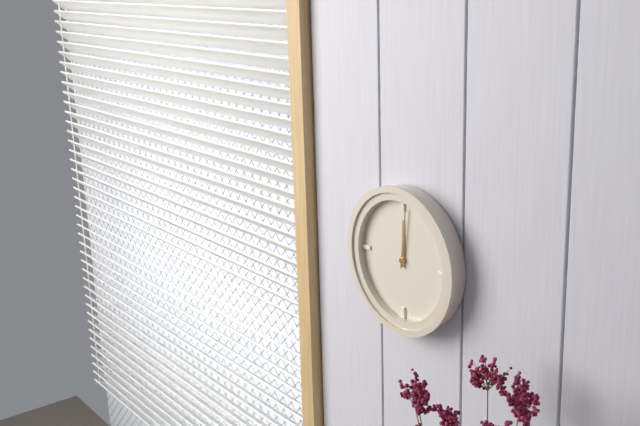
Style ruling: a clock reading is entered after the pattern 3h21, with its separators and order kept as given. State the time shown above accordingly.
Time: 12h01
